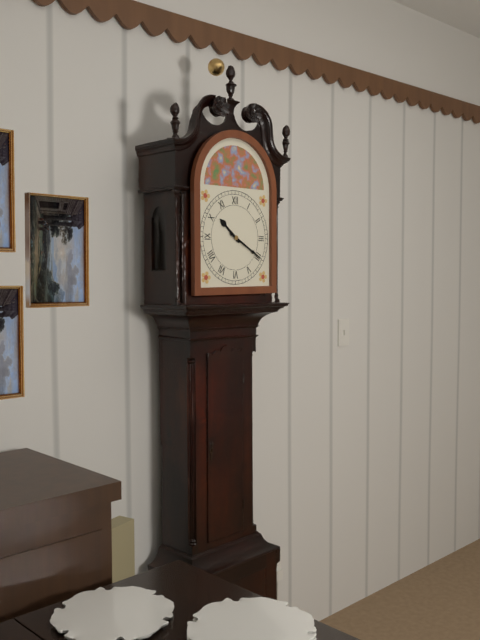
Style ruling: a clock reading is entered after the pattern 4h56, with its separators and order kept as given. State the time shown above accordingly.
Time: 10h20
